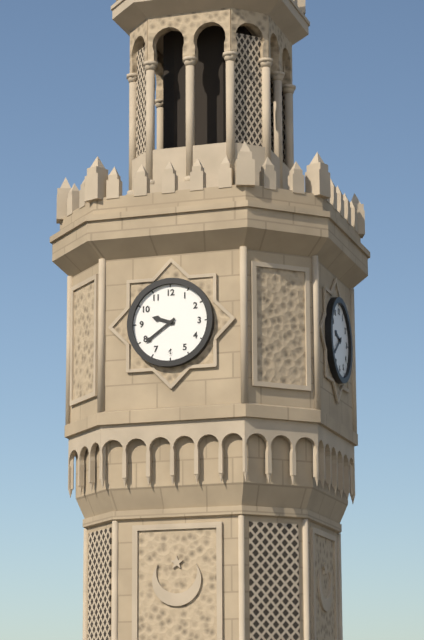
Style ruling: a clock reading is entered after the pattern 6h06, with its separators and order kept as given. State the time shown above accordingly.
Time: 9h39
